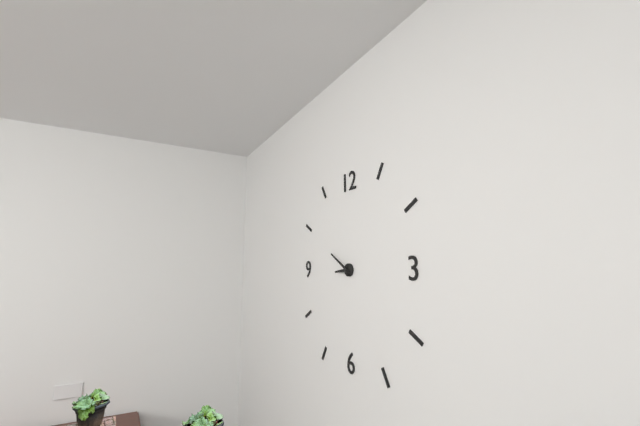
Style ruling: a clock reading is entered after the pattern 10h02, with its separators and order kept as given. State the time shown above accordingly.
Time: 8h50
